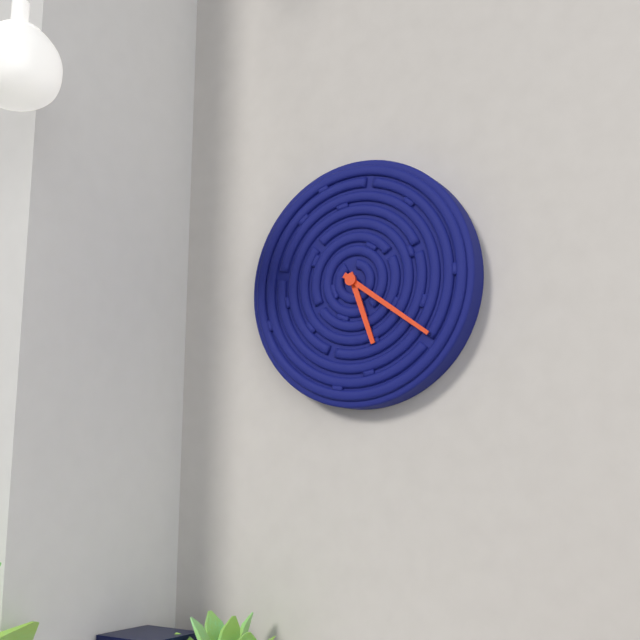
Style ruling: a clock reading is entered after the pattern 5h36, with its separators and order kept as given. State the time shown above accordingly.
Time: 5h21
